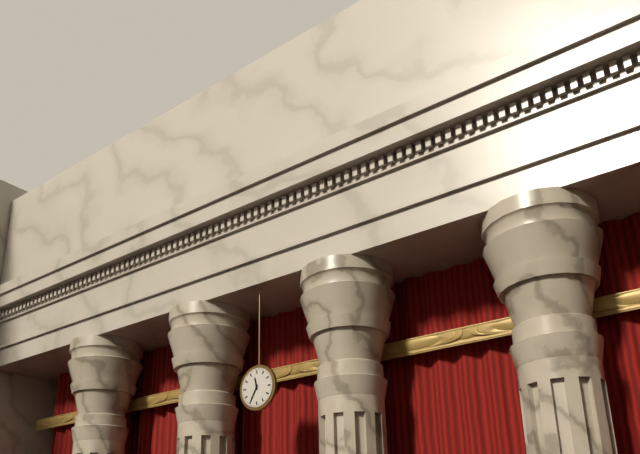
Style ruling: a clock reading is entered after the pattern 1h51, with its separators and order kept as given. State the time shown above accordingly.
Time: 11h35
